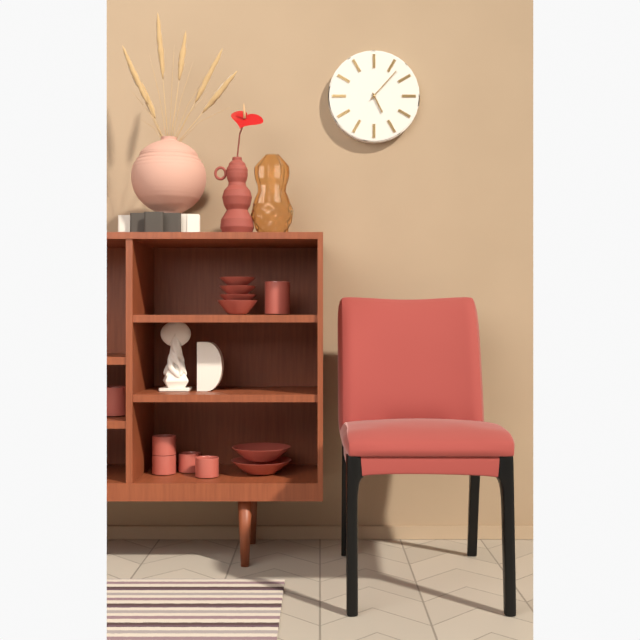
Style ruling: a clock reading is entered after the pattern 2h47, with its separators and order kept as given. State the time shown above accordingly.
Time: 5h07
